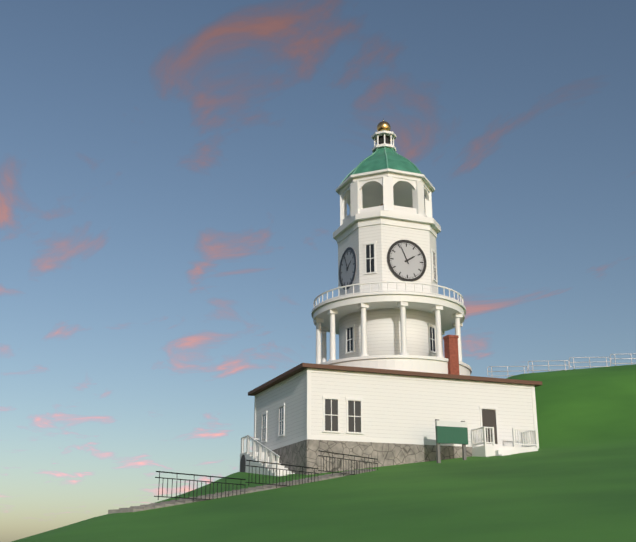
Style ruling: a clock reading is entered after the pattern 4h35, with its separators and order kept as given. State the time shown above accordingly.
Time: 1h56
